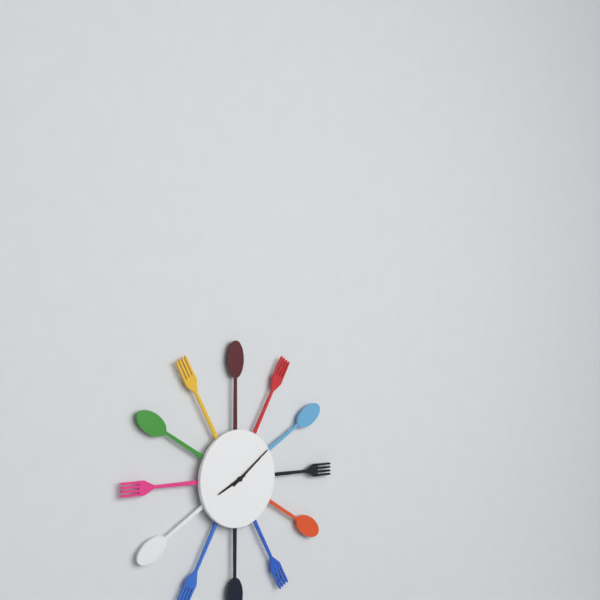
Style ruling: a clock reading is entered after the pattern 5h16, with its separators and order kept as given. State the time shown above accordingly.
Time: 8h09
